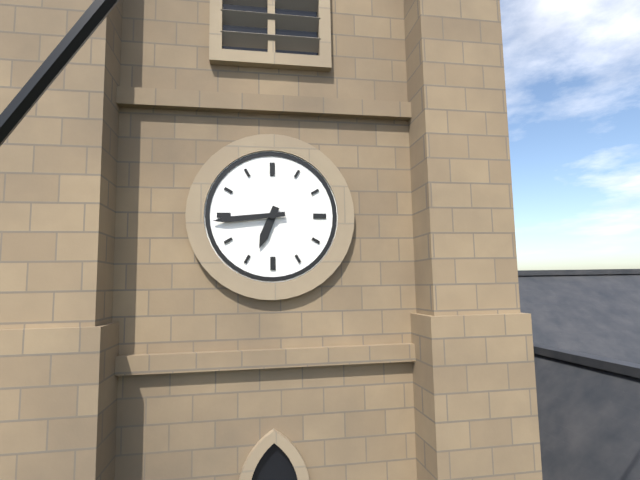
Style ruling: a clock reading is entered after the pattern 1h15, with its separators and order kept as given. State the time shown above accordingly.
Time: 6h44
